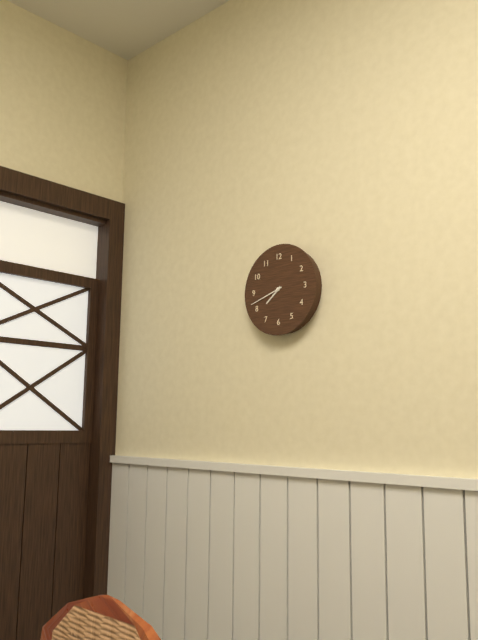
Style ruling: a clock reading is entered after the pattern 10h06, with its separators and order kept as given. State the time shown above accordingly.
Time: 7h42
